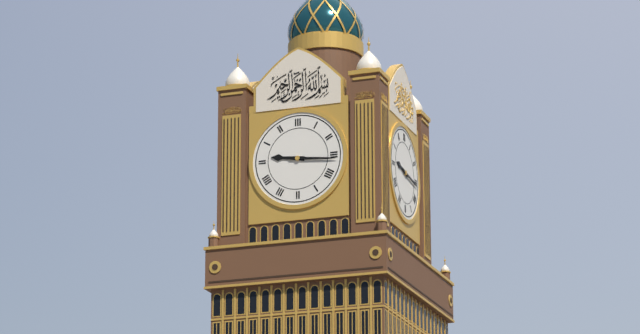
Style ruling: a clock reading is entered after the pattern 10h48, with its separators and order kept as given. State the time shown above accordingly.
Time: 9h16
